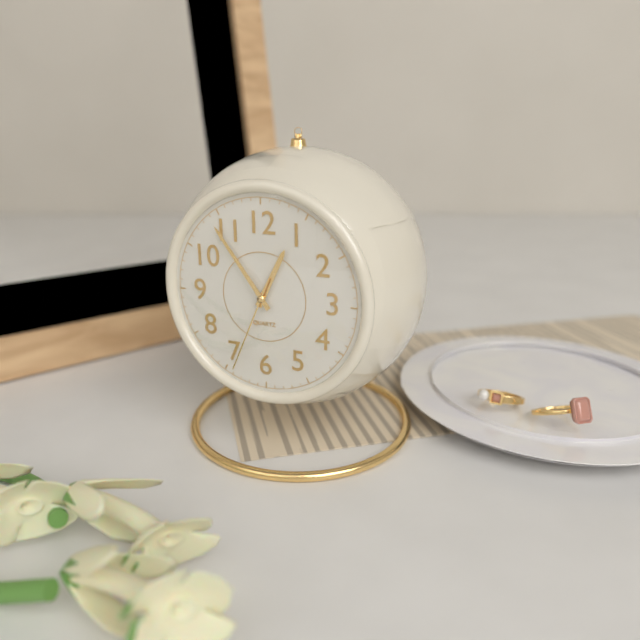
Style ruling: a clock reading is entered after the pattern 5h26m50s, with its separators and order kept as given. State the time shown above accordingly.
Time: 12h54m34s
